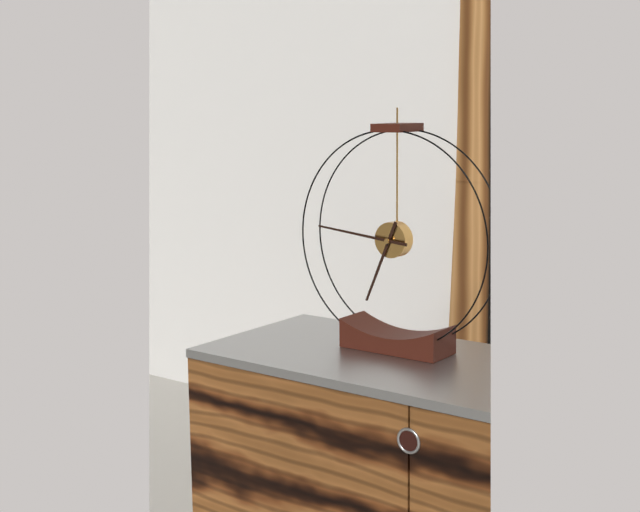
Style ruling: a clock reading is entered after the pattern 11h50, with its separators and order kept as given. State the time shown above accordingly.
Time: 6h46
